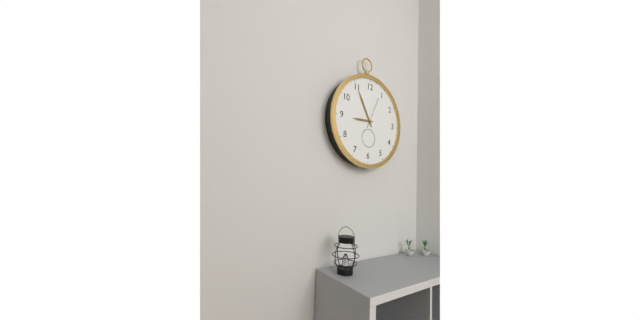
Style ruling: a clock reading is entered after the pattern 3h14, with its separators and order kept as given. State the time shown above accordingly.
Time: 8h55
